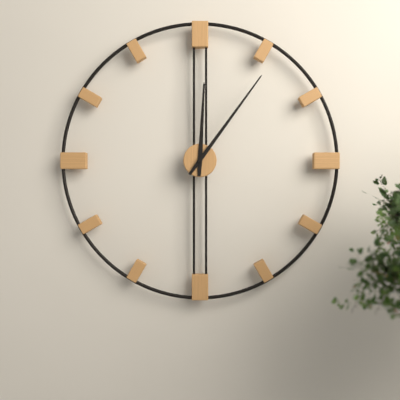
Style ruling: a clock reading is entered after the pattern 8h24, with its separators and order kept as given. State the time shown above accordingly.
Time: 12h06
